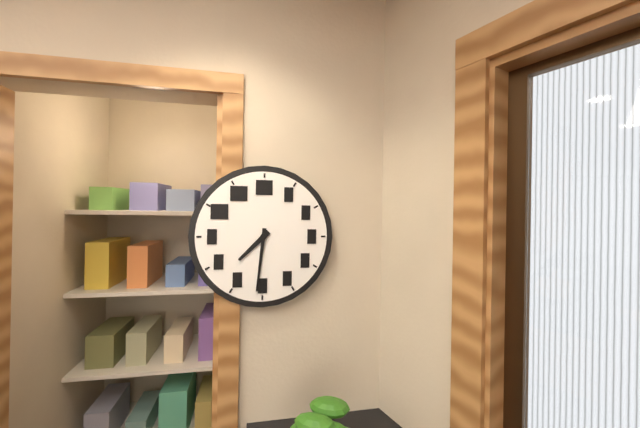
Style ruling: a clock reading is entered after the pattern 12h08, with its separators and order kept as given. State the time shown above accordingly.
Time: 7h31
